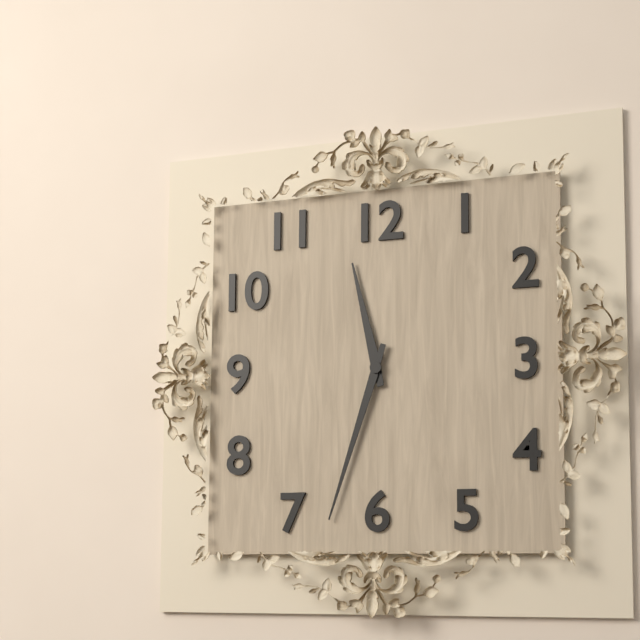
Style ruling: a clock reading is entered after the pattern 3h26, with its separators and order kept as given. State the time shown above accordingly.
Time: 11h33
